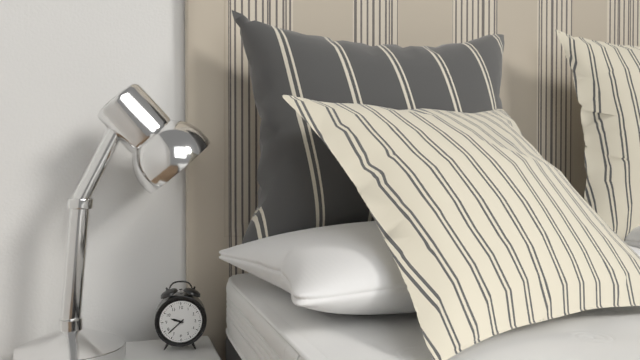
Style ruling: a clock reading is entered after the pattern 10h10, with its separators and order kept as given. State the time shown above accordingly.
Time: 9h38
